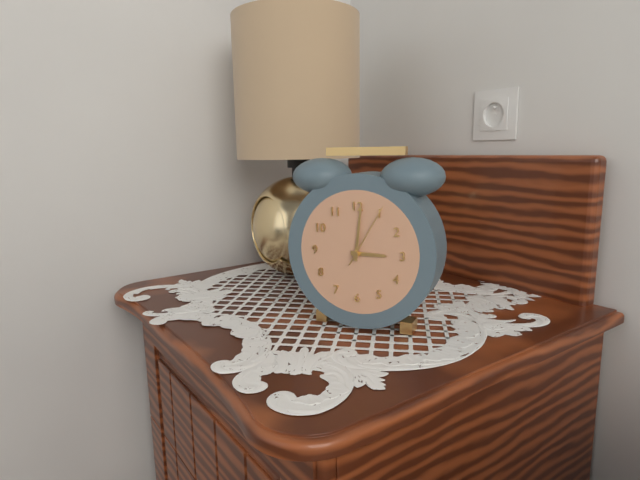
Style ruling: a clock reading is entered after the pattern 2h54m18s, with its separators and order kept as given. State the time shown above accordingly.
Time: 3h01m05s
